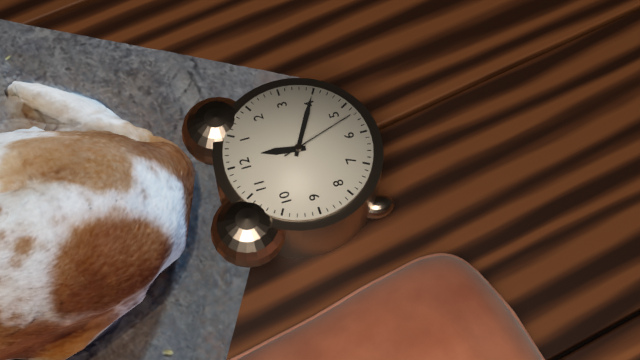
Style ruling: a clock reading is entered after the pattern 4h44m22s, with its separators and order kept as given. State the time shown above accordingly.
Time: 12h20m27s
